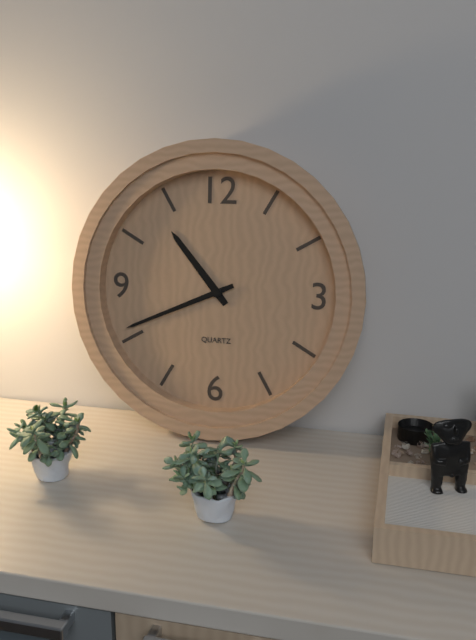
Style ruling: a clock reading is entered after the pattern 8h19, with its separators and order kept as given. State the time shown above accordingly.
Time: 10h41
